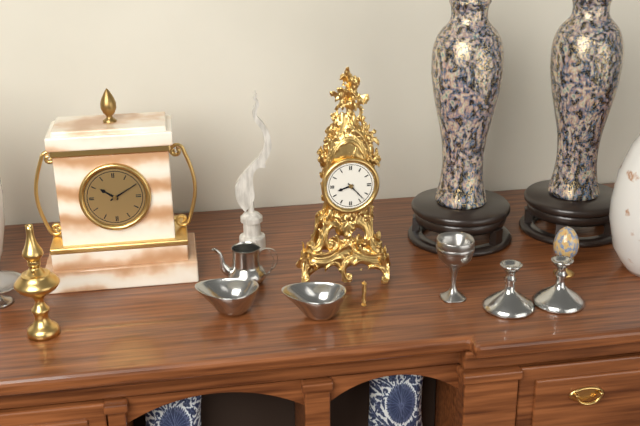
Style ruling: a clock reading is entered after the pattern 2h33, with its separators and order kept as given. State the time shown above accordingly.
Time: 8h23
